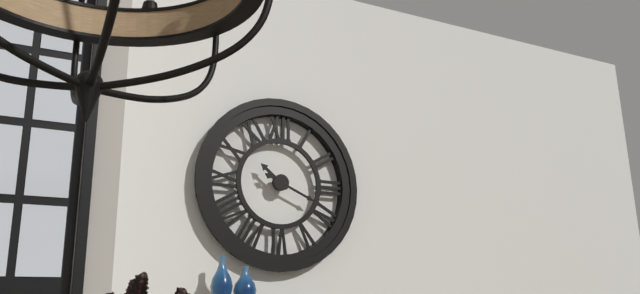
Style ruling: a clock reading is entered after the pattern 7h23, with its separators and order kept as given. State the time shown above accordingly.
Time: 10h19
